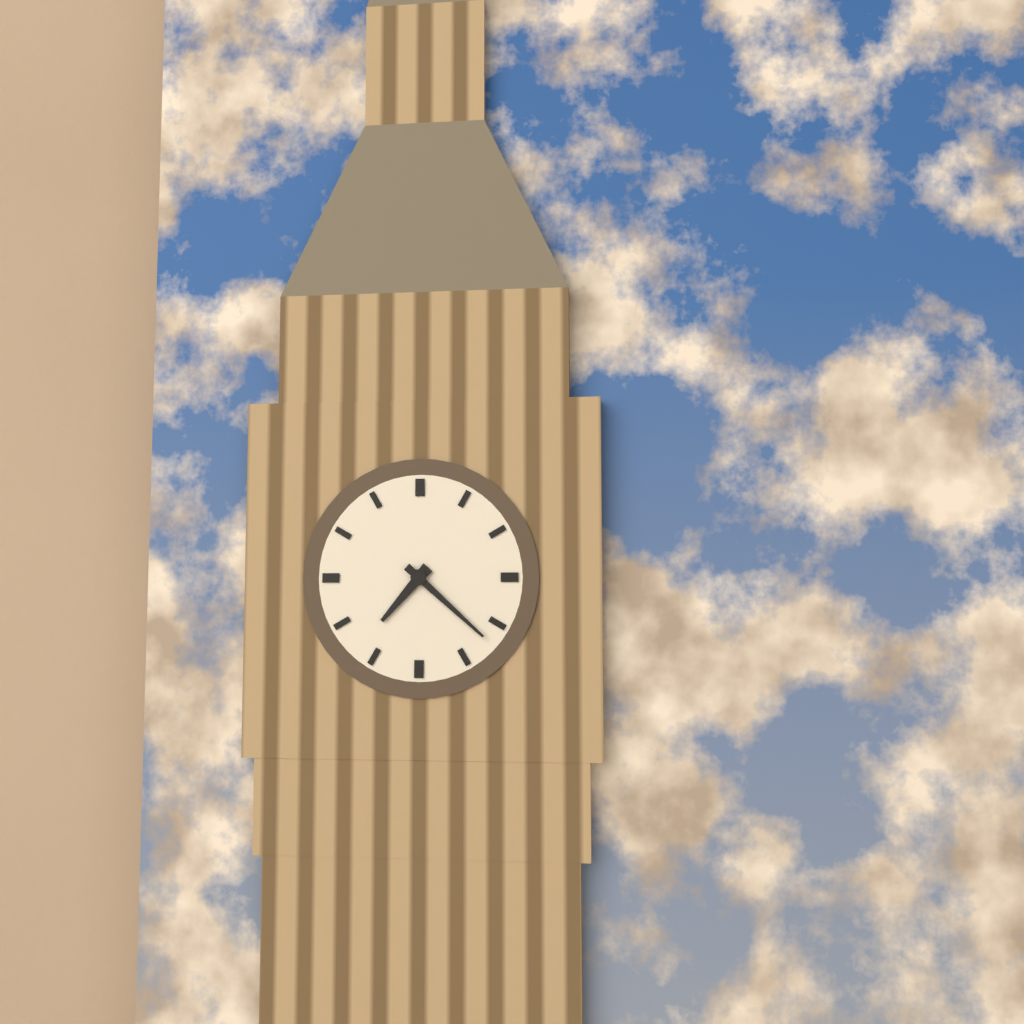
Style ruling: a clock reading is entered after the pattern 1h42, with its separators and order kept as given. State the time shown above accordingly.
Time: 7h22
